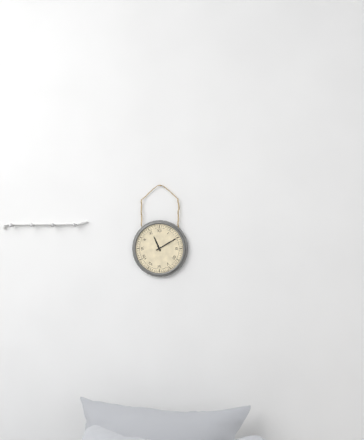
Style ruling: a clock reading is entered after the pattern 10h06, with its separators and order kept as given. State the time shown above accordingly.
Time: 11h10
